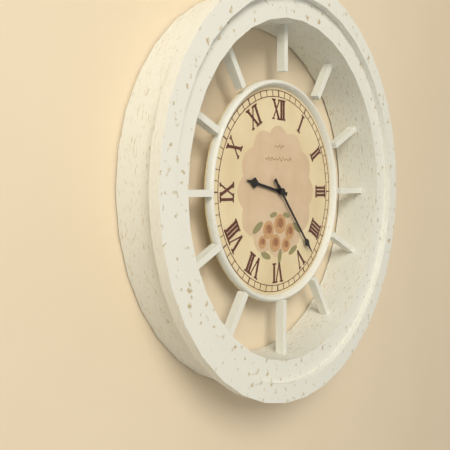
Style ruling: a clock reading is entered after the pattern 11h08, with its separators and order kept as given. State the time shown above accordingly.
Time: 9h23
